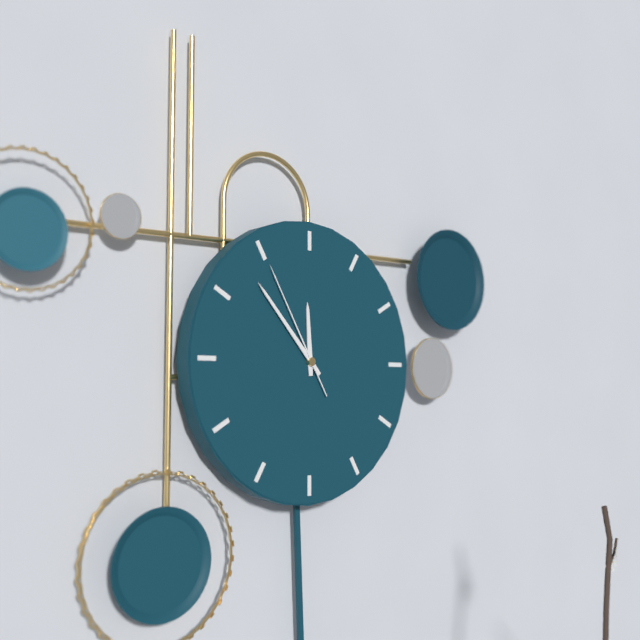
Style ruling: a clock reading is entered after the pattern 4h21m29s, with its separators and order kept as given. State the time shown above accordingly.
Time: 11h53m55s
